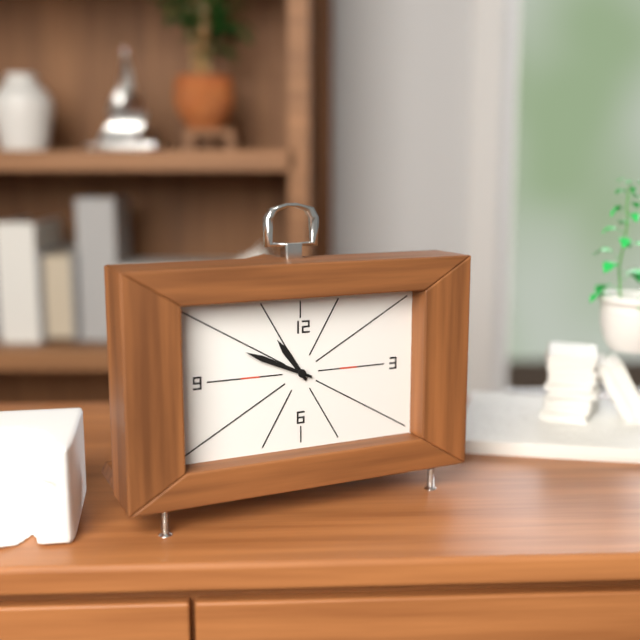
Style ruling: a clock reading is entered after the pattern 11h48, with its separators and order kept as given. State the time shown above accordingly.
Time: 10h49
